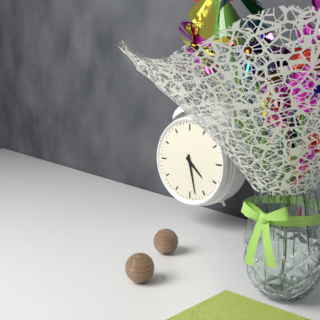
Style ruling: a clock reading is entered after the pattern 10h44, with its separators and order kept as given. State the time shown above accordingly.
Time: 4h28
